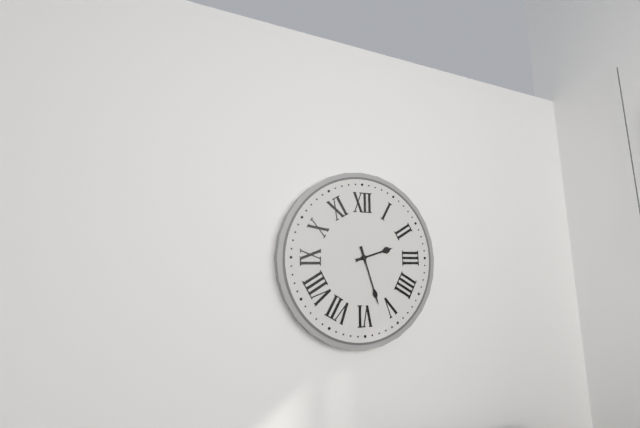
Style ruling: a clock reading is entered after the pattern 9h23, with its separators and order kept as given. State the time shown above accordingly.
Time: 2h27
